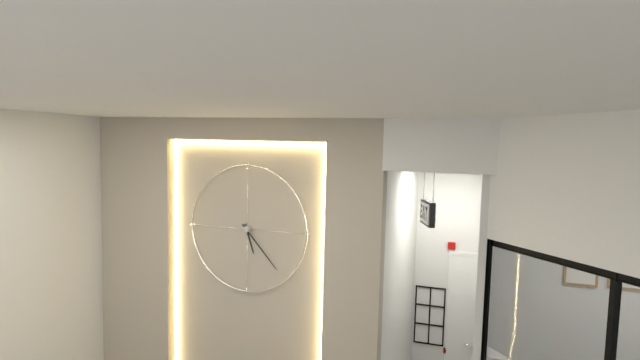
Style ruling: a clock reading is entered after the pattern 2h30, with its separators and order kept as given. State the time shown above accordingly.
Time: 5h23
